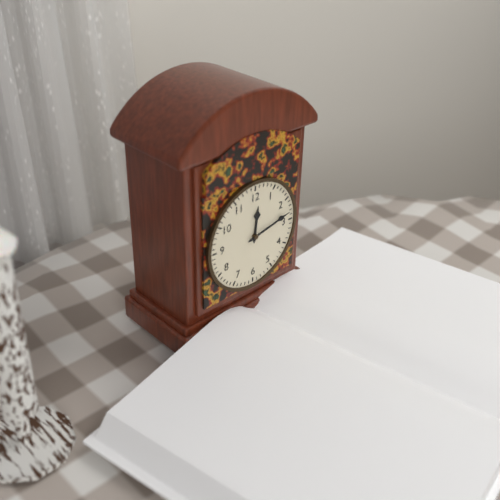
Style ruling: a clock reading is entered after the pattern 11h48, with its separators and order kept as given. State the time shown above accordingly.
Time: 12h13
